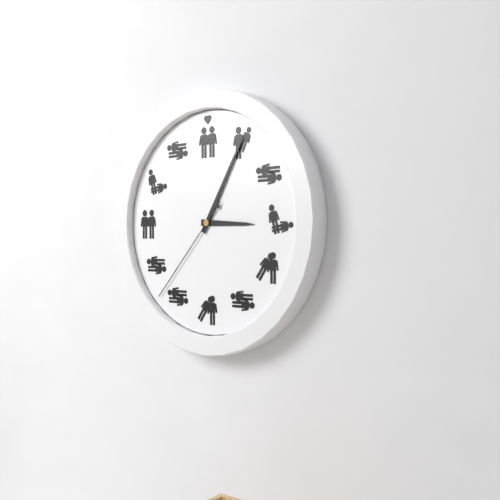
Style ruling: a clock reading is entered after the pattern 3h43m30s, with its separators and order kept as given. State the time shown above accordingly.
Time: 3h05m37s
